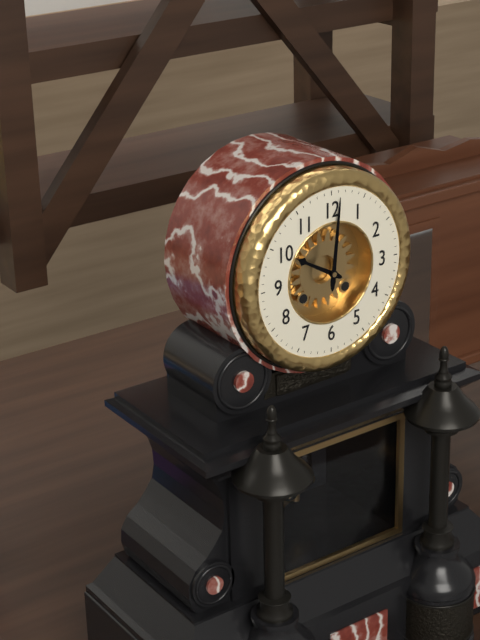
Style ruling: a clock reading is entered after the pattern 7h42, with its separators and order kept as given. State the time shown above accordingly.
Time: 10h01
